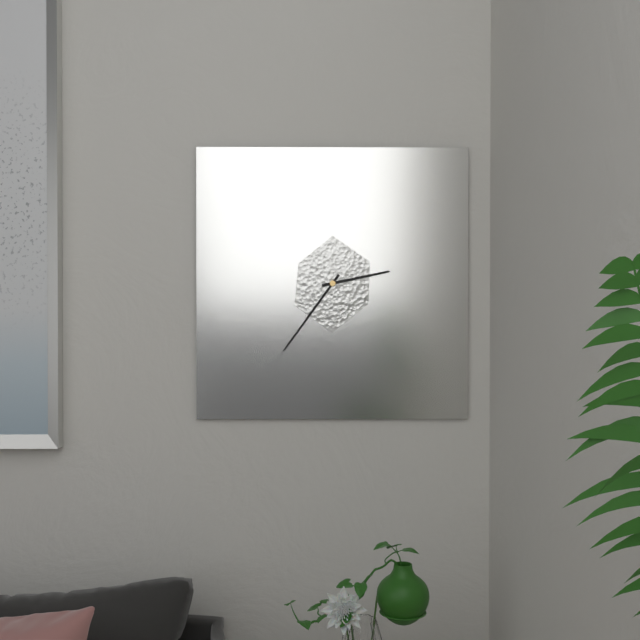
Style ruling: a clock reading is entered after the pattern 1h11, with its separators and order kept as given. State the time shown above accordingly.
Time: 2h36
